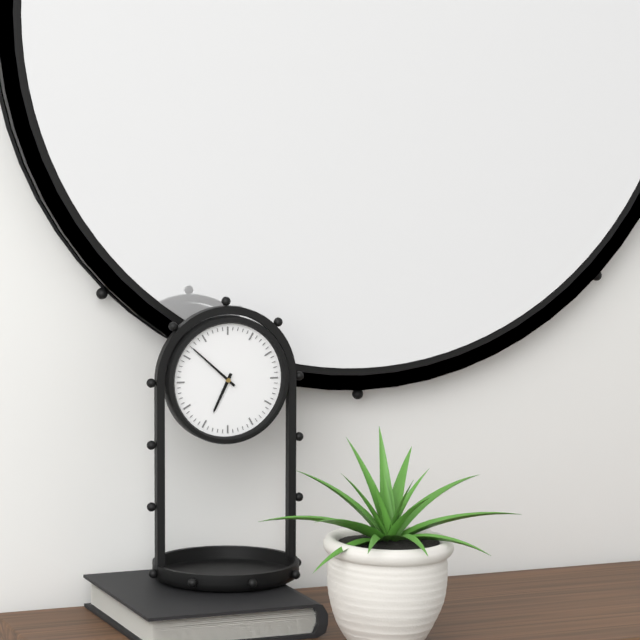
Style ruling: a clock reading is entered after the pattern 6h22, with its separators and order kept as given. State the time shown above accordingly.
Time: 6h52
